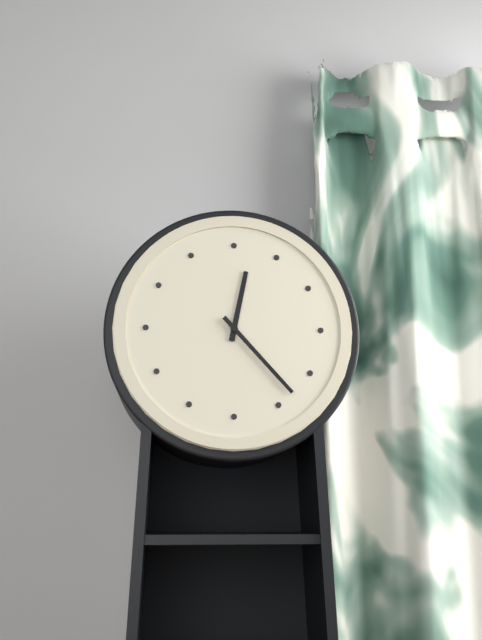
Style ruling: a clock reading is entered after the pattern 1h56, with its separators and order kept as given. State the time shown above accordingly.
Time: 12h23
